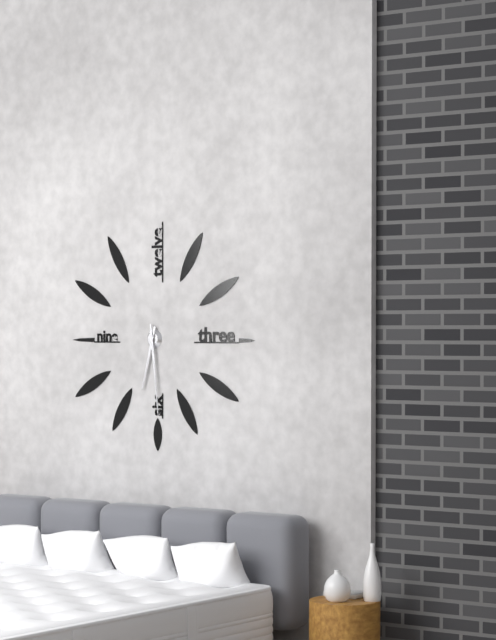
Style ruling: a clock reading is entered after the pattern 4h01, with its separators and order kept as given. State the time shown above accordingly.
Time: 6h29
